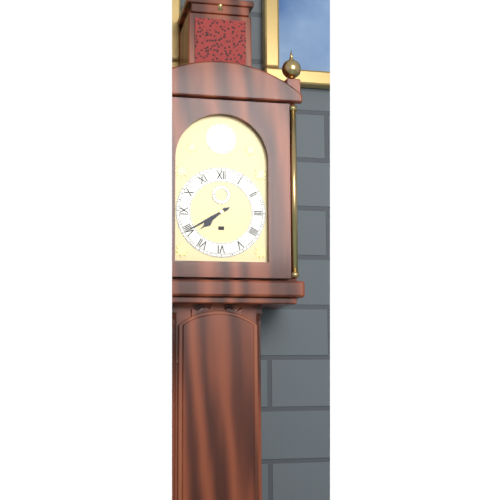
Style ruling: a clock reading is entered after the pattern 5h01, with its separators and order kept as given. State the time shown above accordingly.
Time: 7h40
